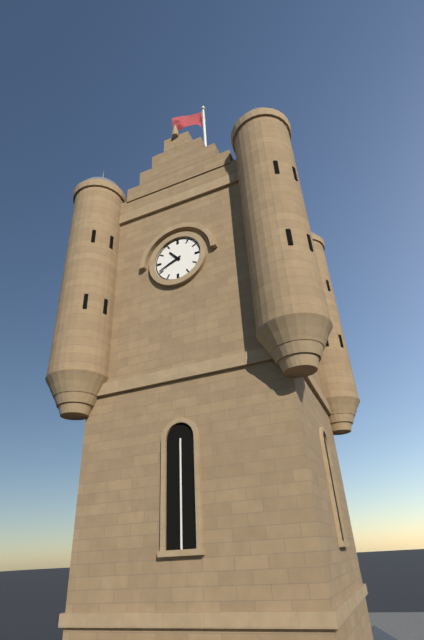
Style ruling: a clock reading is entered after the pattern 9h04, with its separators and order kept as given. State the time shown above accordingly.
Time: 10h41
